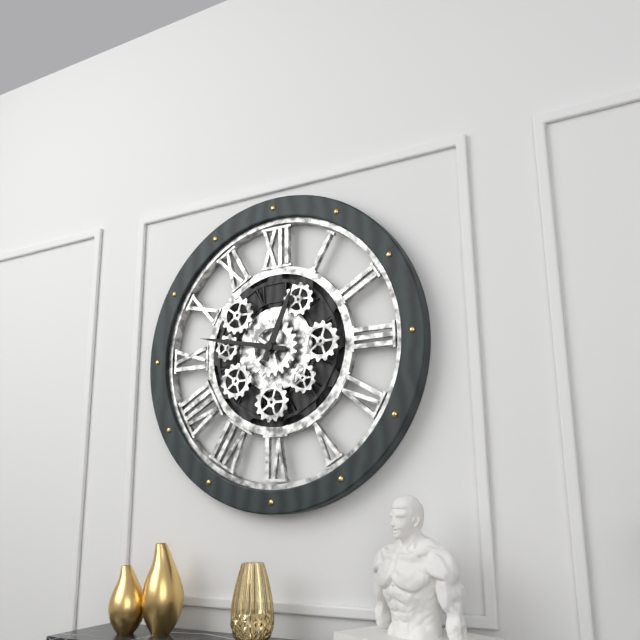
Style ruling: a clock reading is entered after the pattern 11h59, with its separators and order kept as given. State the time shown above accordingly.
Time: 12h47
